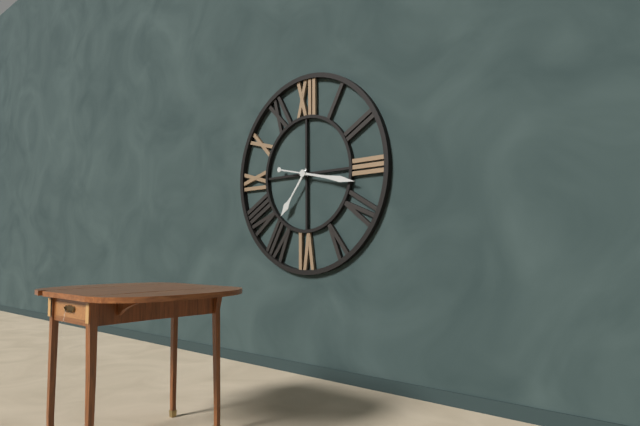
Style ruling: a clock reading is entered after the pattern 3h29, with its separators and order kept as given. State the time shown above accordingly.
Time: 7h17
